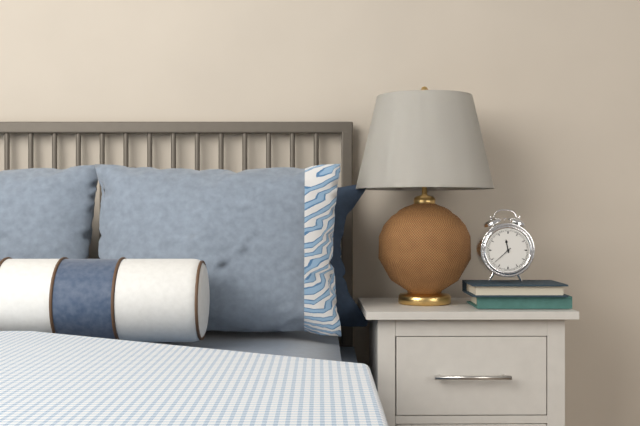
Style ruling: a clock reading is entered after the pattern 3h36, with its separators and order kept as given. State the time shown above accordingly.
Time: 11h38
